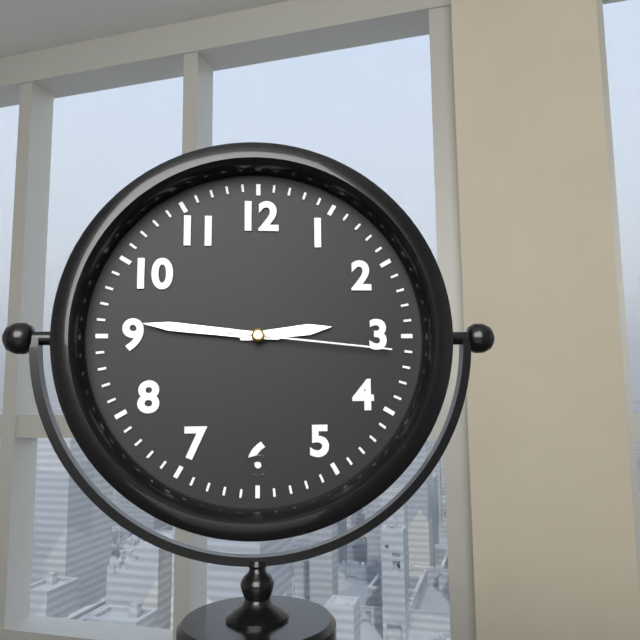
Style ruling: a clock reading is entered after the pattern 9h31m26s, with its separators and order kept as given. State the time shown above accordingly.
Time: 2h46m16s
